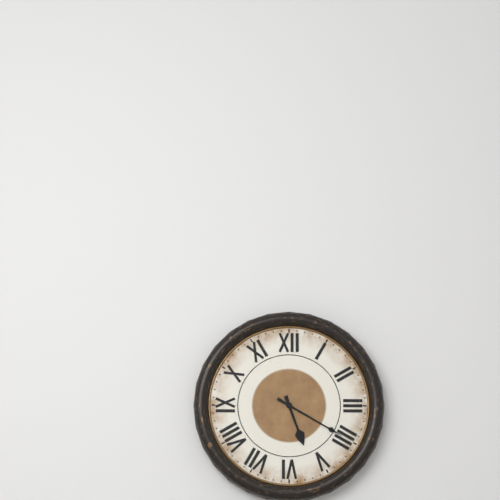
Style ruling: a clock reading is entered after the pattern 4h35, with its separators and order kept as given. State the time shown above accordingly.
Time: 5h20
